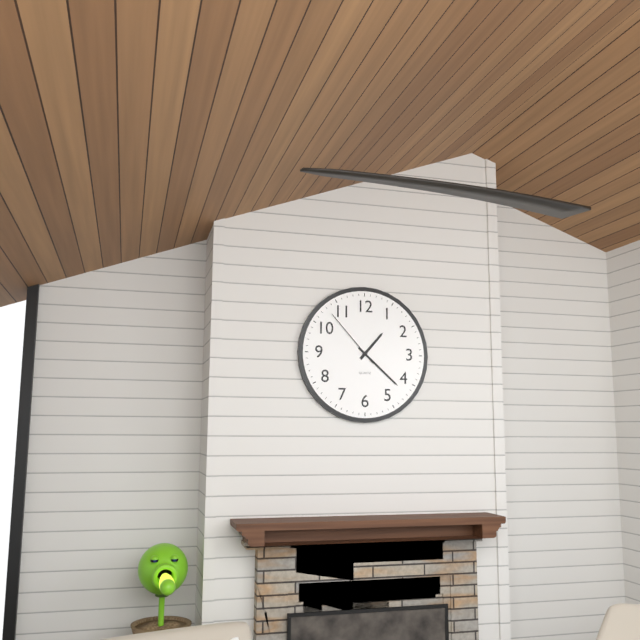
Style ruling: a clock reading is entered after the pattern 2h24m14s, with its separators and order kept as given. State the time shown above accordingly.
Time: 1h22m53s
